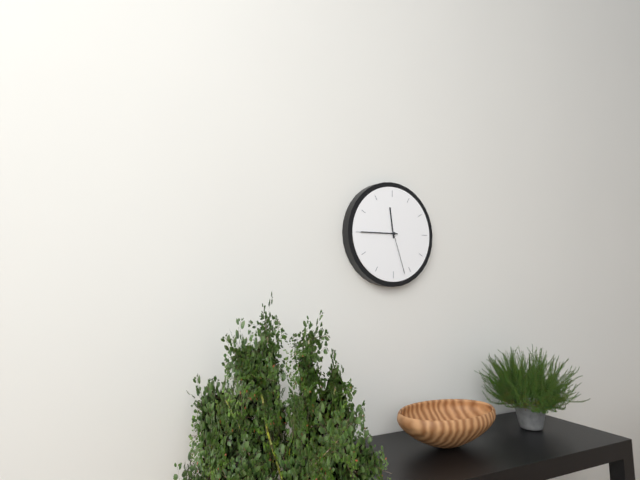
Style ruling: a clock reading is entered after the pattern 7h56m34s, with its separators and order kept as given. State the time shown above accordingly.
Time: 11h45m27s
